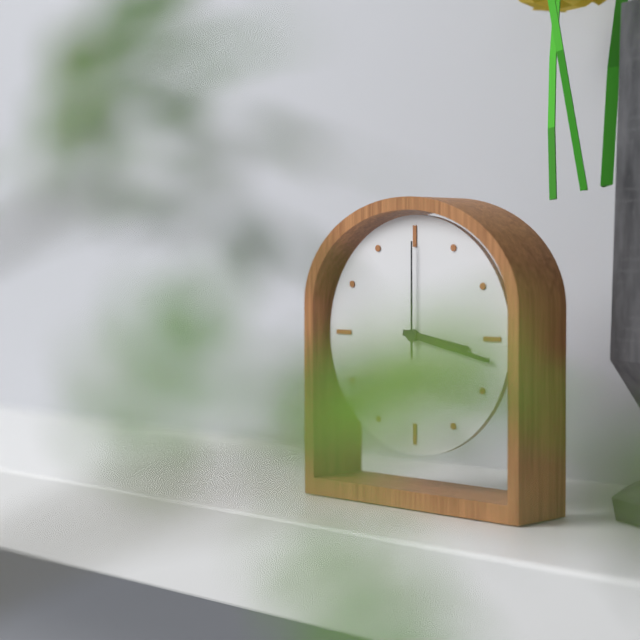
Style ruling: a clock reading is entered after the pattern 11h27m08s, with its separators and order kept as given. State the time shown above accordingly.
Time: 3h17m00s
